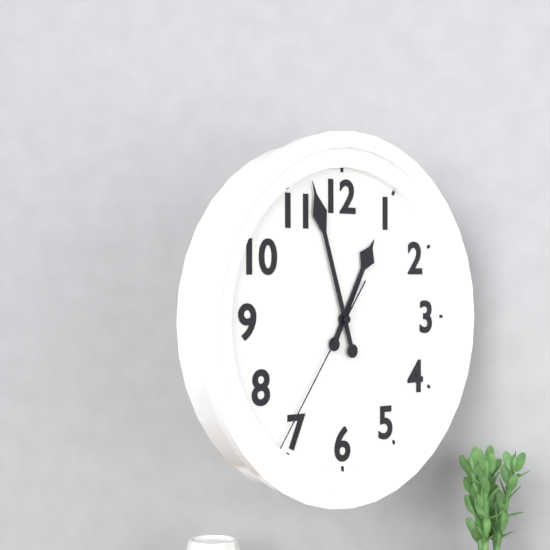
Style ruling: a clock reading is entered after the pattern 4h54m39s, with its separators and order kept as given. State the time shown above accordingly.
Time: 12h57m36s
